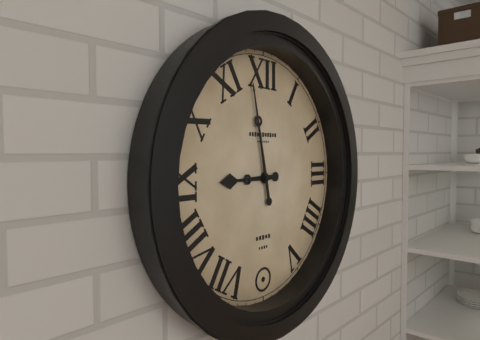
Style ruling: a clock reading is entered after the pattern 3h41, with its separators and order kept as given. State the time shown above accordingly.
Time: 8h58
